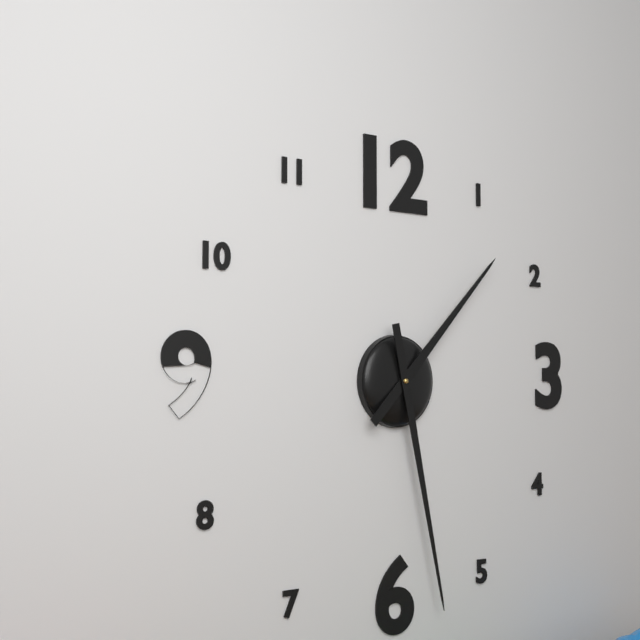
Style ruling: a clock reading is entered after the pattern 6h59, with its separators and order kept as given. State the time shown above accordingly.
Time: 1h28
